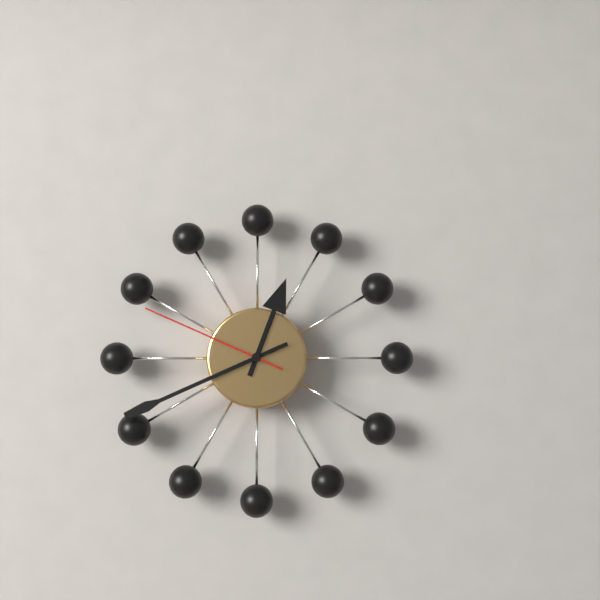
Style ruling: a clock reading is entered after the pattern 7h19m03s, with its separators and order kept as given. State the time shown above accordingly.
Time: 12h41m49s
